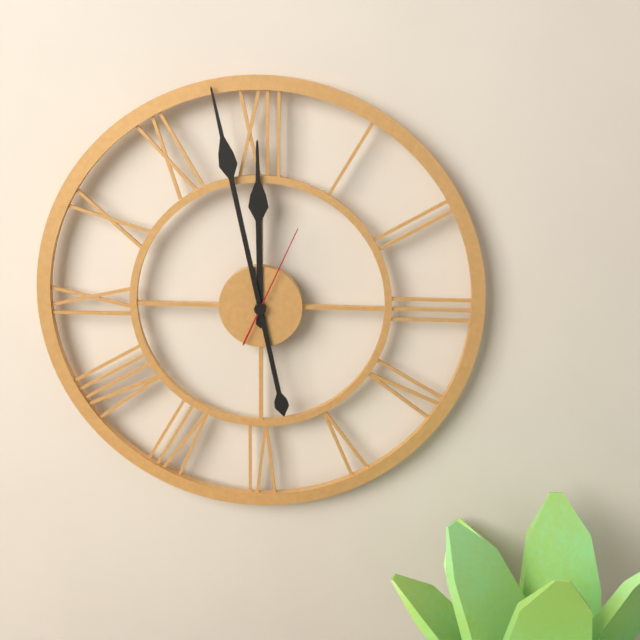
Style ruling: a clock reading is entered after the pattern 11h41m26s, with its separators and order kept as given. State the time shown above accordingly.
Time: 11h58m04s
